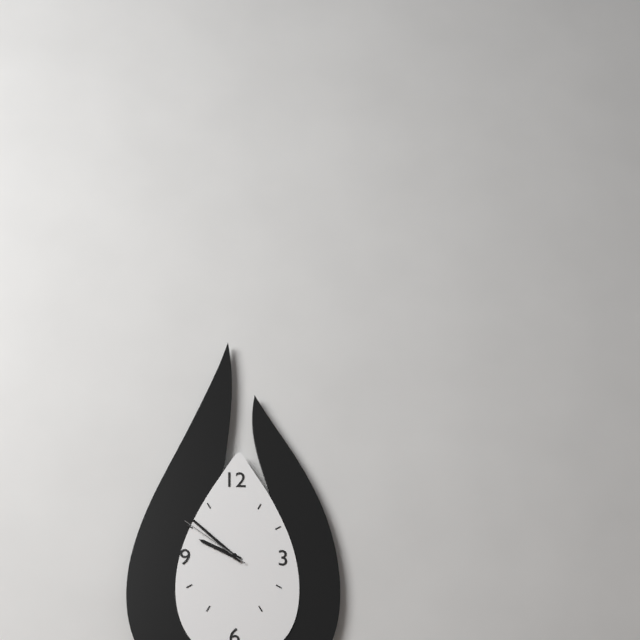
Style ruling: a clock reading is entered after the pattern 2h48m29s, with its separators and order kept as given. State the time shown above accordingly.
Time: 9h52m51s
